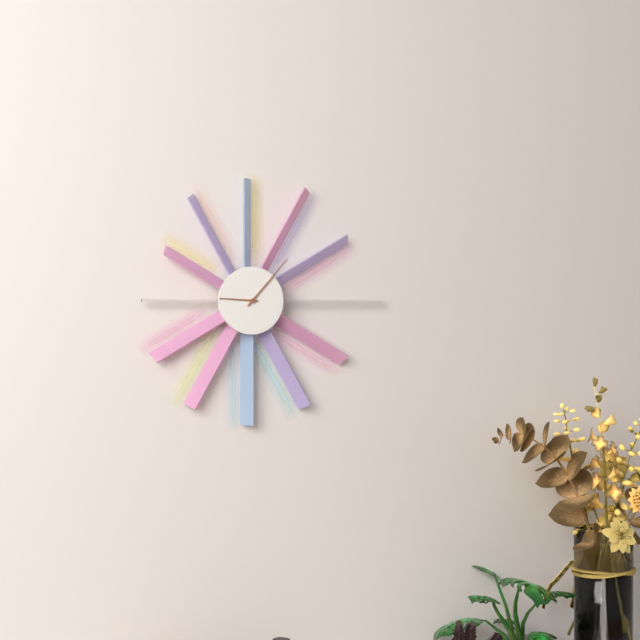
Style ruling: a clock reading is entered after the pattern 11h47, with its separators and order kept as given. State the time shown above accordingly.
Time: 9h07
